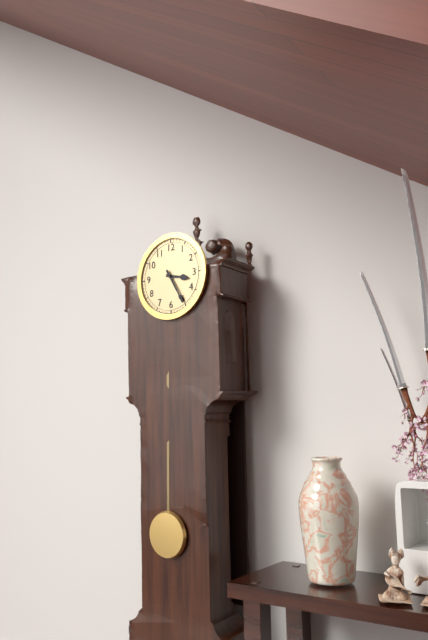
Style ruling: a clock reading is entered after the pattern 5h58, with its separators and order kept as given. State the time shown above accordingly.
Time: 3h25
